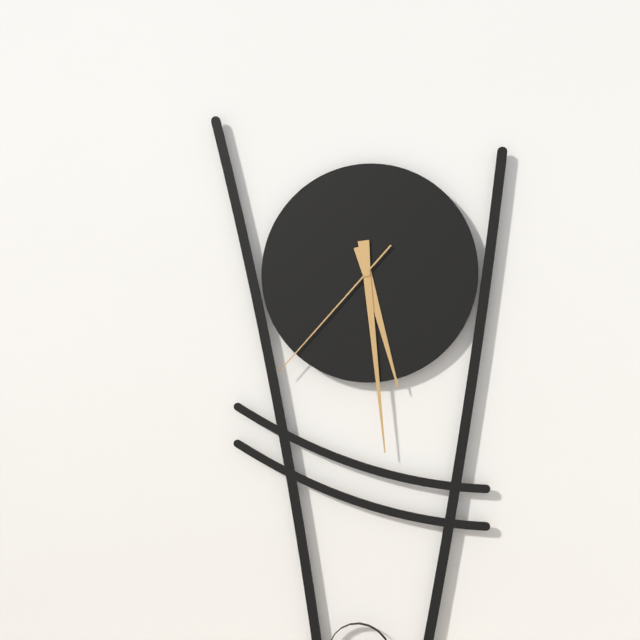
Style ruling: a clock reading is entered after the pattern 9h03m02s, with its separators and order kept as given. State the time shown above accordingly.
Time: 5h29m37s
